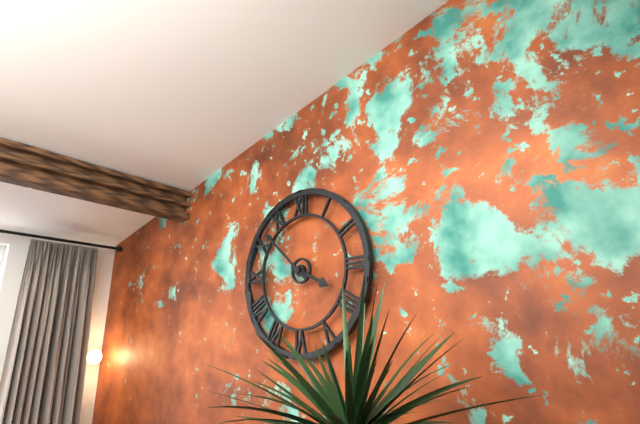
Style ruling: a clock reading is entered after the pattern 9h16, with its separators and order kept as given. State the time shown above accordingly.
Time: 3h52
